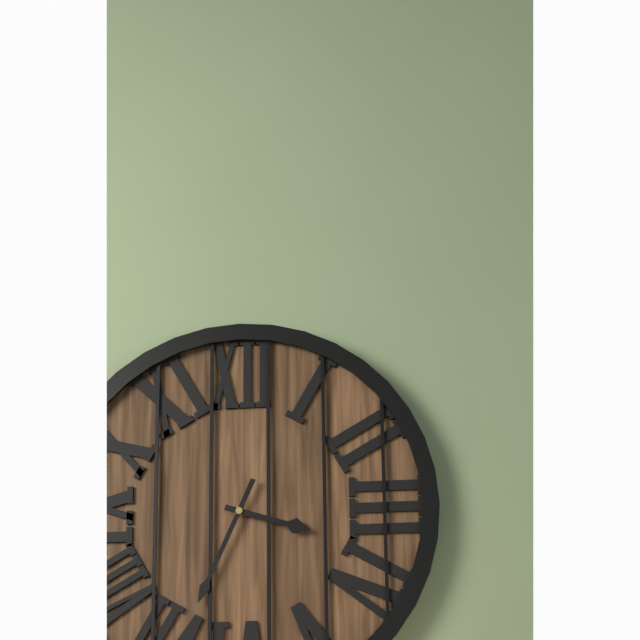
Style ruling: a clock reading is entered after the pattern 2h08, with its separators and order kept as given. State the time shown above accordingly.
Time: 3h34
